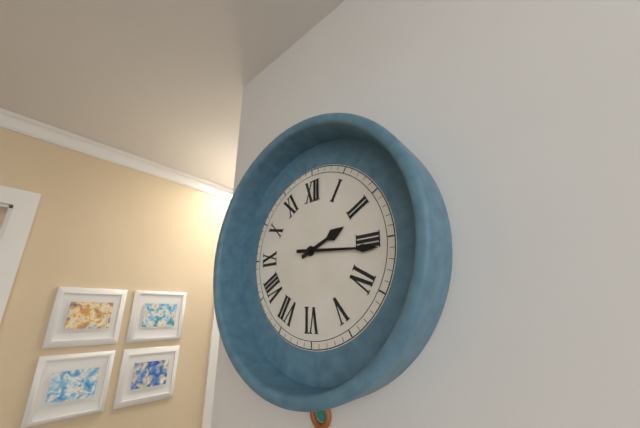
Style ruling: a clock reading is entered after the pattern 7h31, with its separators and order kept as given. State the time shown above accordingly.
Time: 2h16
